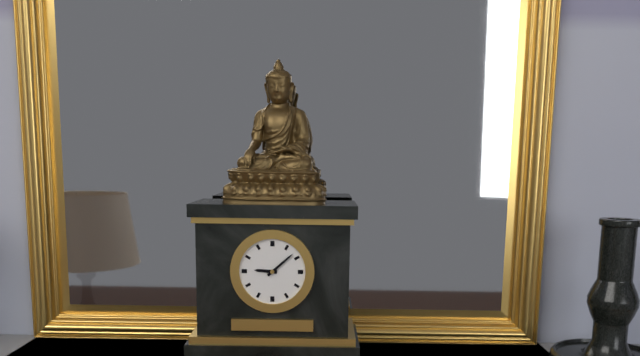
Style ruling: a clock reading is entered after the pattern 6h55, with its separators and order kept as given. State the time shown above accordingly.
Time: 9h08
